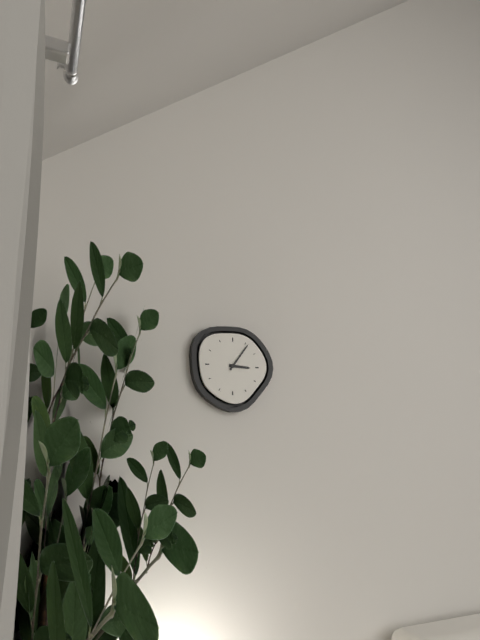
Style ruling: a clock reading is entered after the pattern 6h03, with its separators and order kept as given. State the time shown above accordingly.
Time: 3h06
